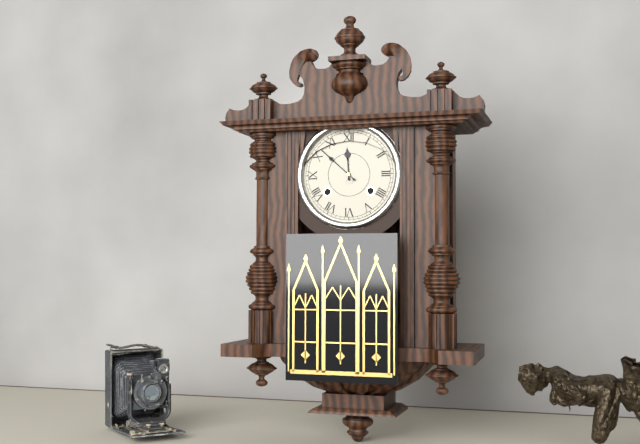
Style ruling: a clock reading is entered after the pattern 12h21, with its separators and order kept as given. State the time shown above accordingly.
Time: 11h52
